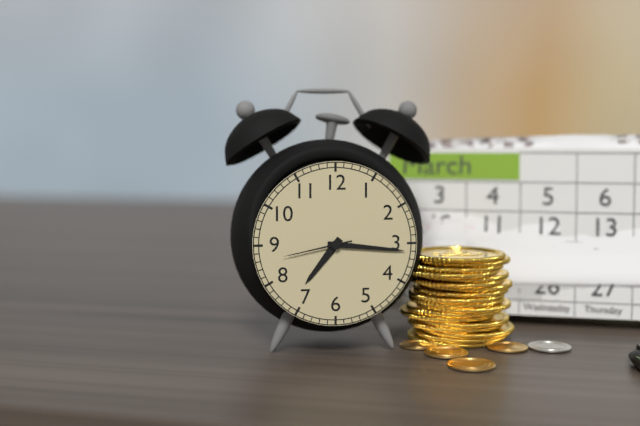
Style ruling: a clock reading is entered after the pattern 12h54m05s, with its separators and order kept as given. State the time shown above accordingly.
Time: 7h16m43s
